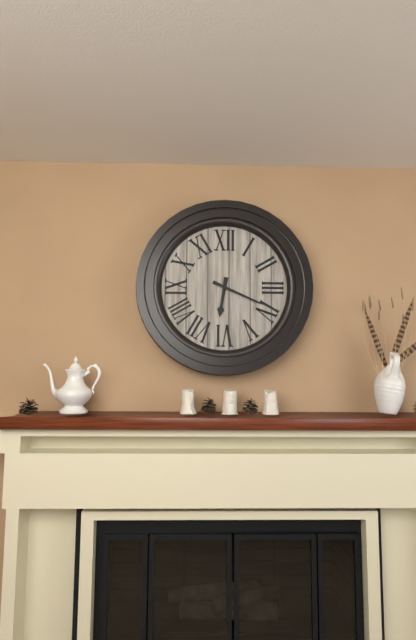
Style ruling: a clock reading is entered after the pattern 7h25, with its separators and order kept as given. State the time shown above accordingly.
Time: 6h19
